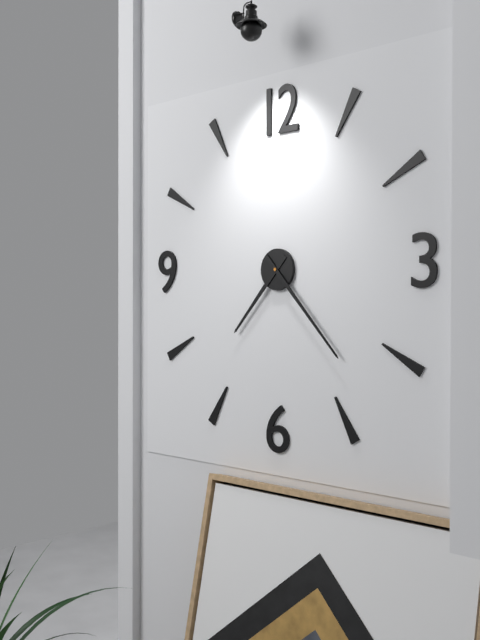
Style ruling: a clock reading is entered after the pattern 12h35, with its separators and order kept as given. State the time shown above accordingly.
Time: 7h23
